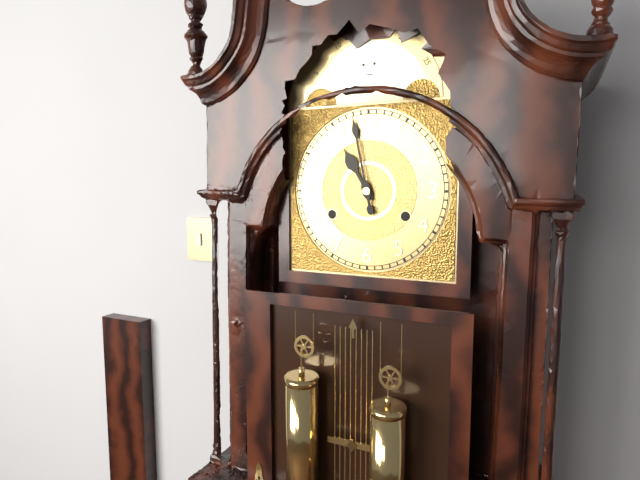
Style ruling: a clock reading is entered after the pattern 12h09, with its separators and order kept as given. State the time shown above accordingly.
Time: 10h58
